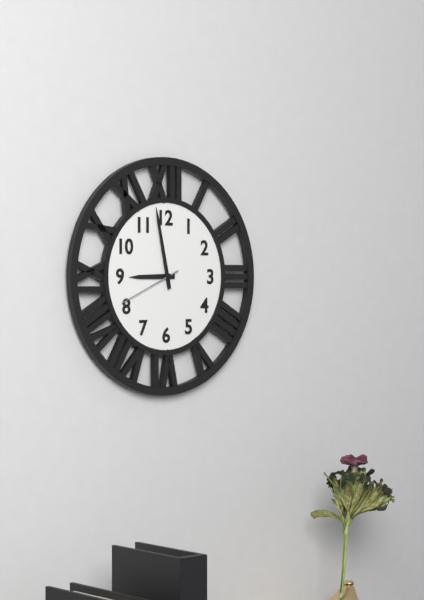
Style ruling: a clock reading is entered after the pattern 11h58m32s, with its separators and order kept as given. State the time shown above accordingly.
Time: 8h58m41s
